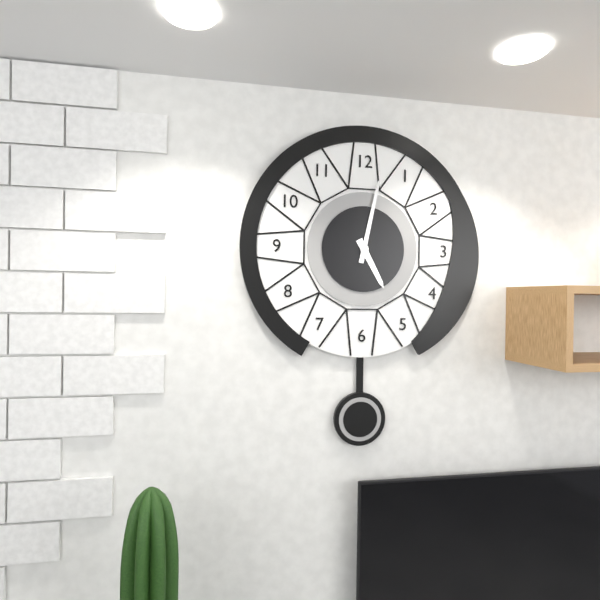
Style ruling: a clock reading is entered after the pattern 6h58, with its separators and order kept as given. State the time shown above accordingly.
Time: 5h02
